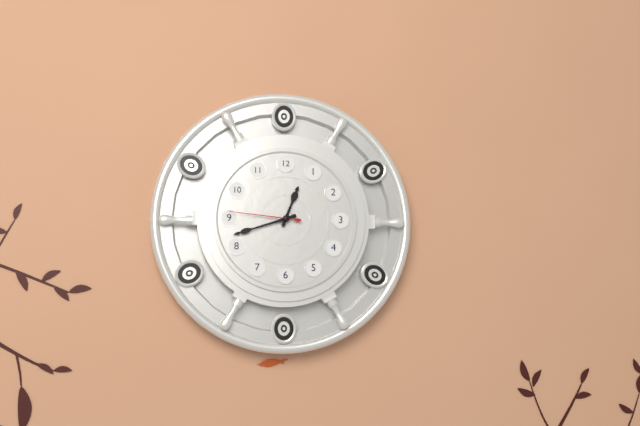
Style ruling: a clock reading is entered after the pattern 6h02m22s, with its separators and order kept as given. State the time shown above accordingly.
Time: 12h42m46s
